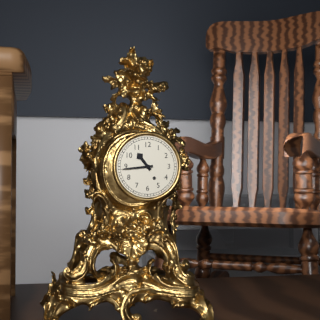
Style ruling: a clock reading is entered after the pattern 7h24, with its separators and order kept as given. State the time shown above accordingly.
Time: 10h44
